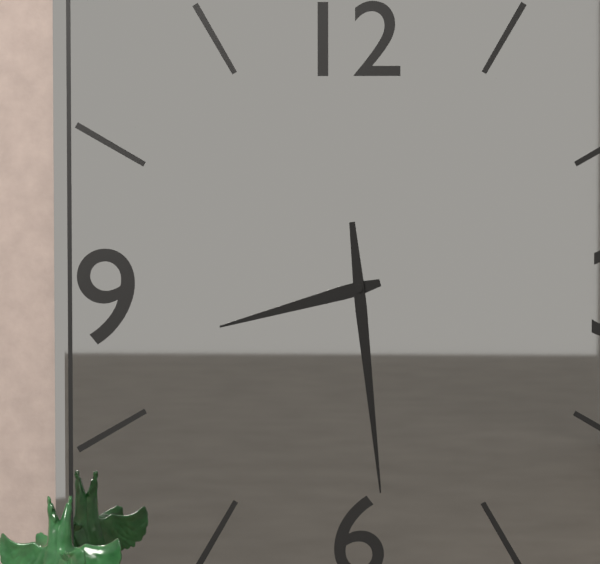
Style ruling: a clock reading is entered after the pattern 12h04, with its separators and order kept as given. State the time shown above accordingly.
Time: 8h29
